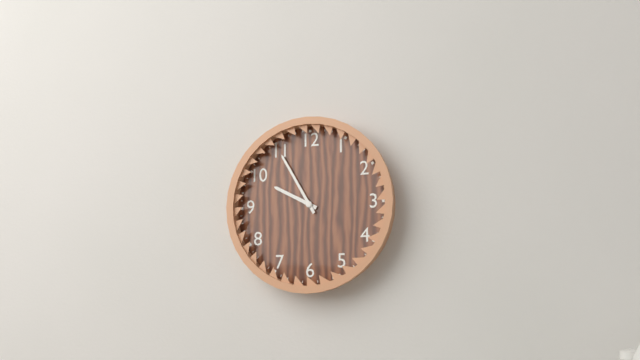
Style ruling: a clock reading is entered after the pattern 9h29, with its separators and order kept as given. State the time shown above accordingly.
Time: 9h55
